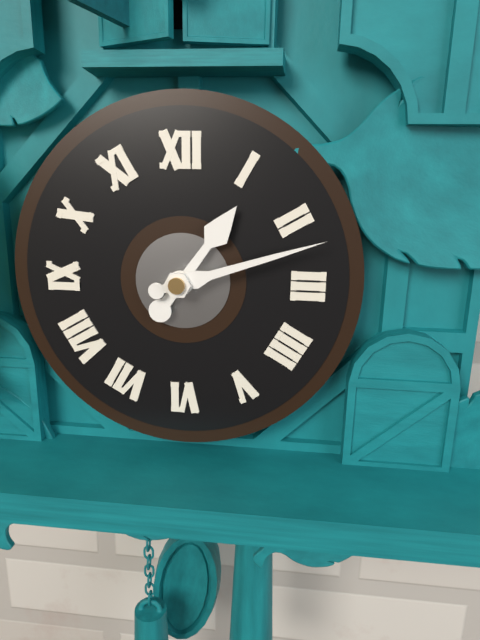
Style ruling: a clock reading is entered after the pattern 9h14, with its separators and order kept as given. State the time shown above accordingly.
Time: 1h12
